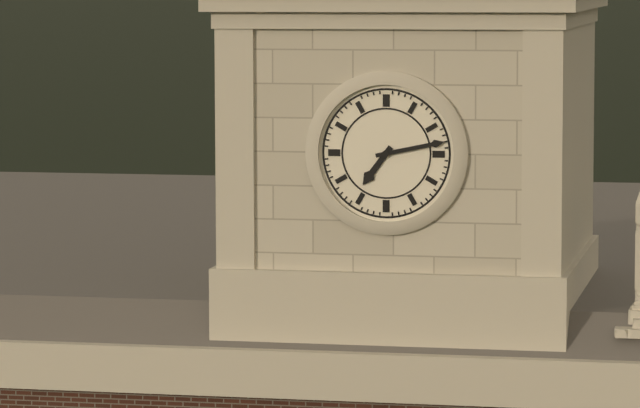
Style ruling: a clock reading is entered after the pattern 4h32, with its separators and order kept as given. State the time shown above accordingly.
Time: 7h13
